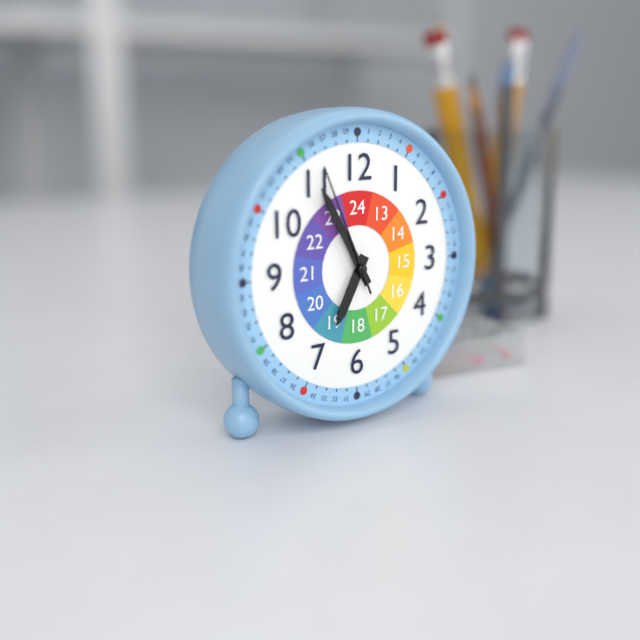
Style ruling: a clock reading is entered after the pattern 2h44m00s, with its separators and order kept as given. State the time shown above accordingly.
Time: 6h55m56s
